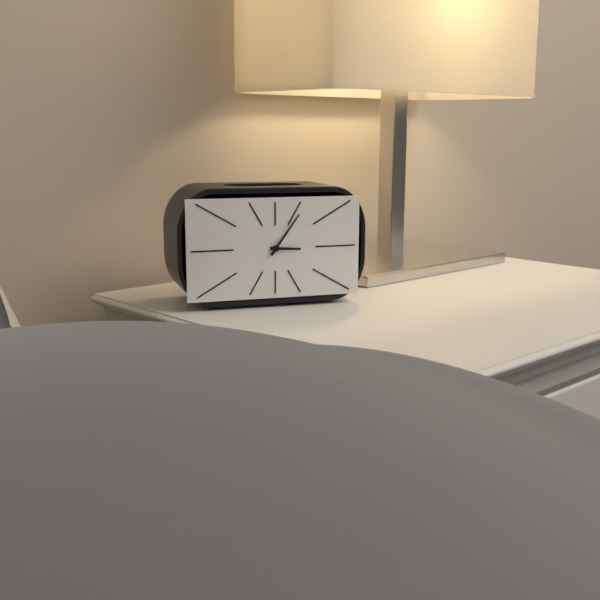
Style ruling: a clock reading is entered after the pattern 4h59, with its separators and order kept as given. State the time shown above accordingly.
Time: 3h06
